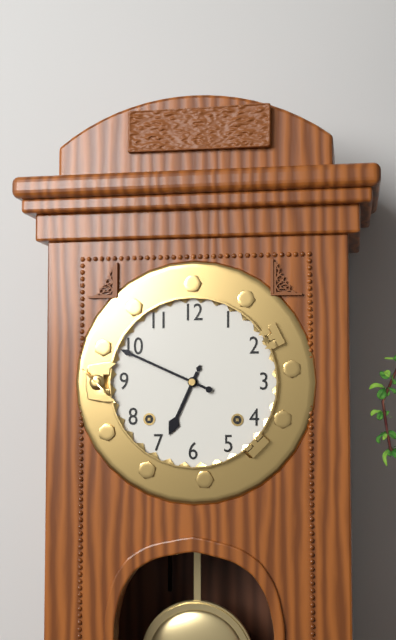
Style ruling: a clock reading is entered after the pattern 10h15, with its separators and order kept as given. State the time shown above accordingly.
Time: 6h49
